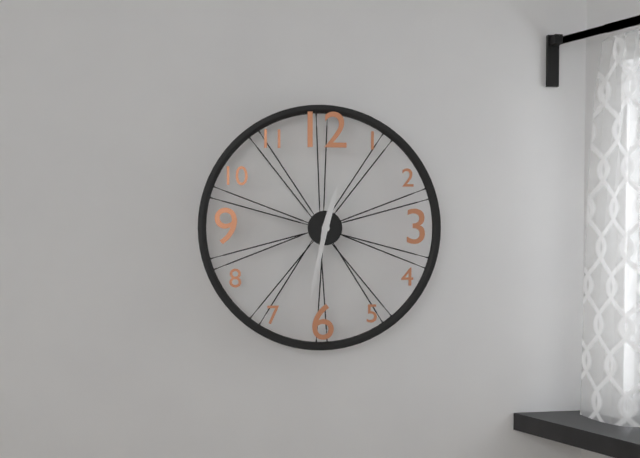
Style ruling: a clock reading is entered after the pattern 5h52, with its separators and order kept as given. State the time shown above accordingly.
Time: 12h32
